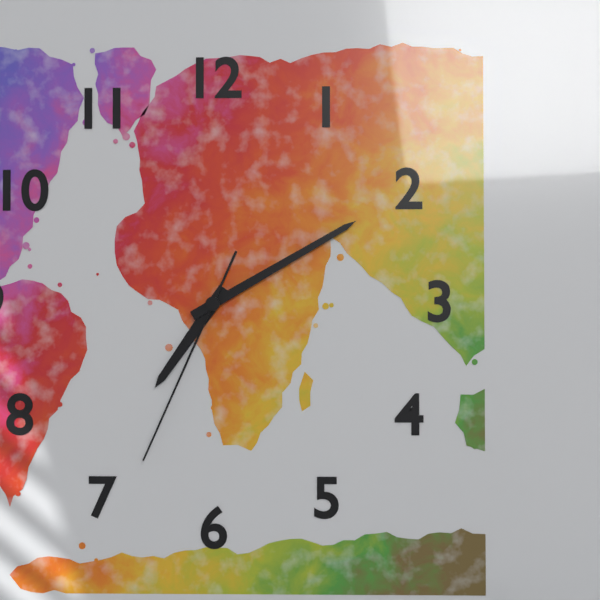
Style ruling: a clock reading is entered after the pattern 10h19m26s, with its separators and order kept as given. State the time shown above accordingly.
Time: 7h10m34s
